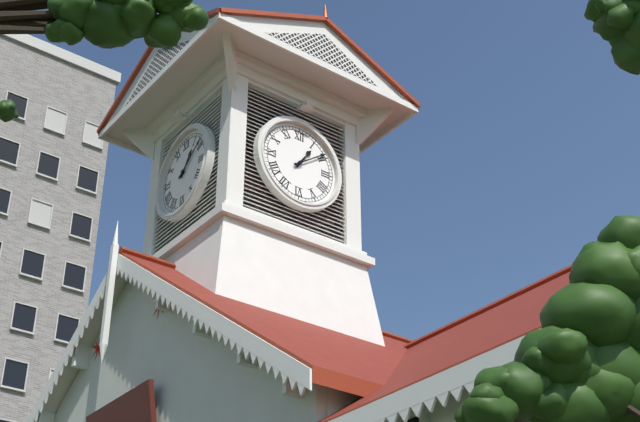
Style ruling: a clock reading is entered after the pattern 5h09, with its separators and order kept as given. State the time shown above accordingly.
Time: 1h09
